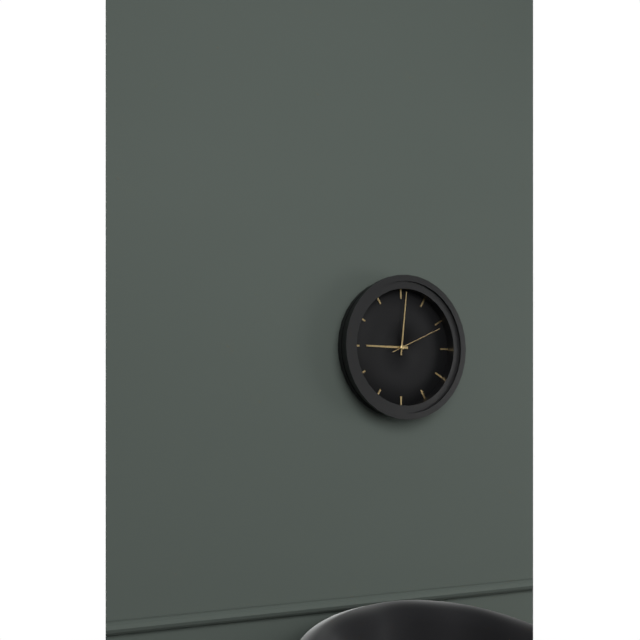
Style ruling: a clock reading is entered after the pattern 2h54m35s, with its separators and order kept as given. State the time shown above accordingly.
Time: 9h01m11s
